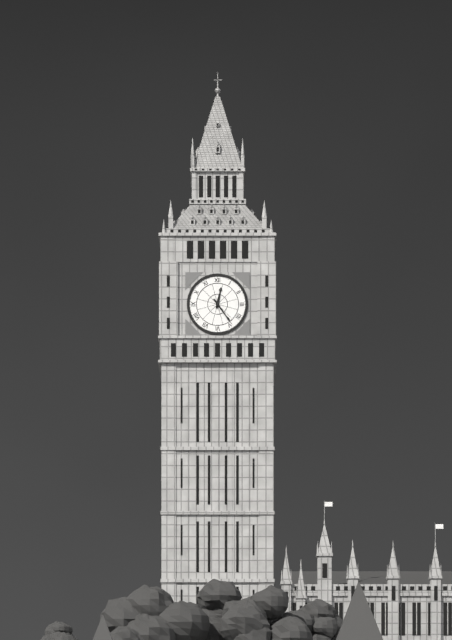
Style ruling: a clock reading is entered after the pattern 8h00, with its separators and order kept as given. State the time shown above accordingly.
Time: 12h24
